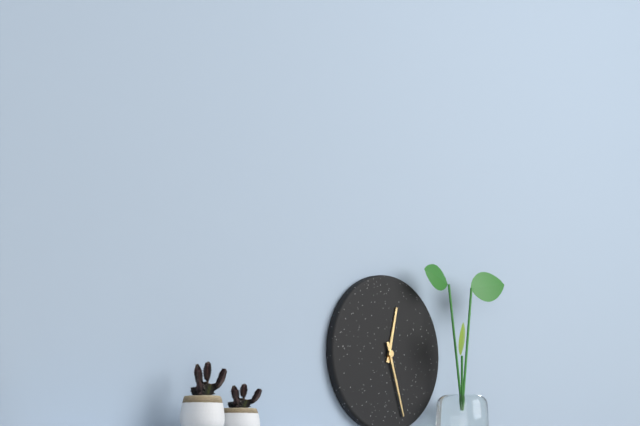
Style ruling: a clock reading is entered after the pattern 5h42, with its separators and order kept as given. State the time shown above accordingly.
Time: 12h27
